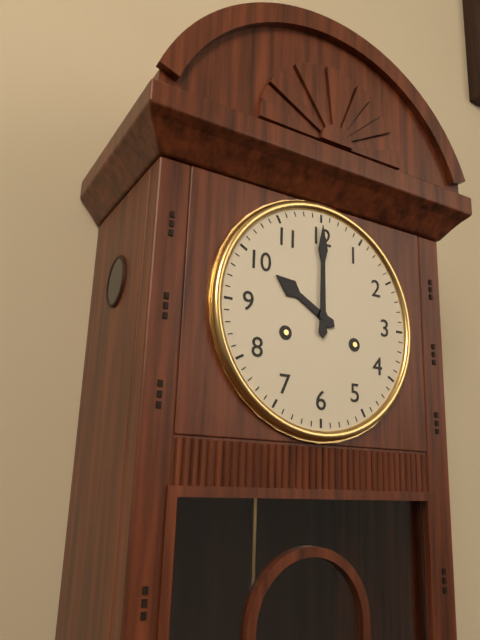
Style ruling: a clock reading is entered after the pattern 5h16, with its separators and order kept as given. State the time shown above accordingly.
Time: 10h00
